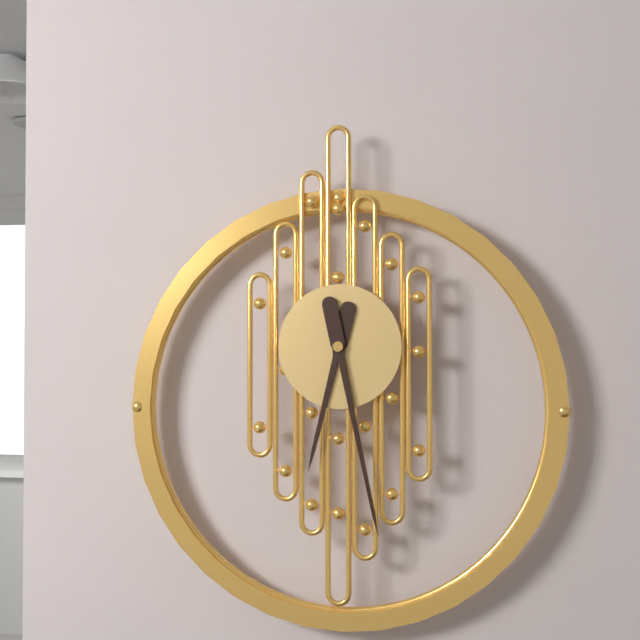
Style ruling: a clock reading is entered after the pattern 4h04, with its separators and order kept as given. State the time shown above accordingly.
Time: 6h28
